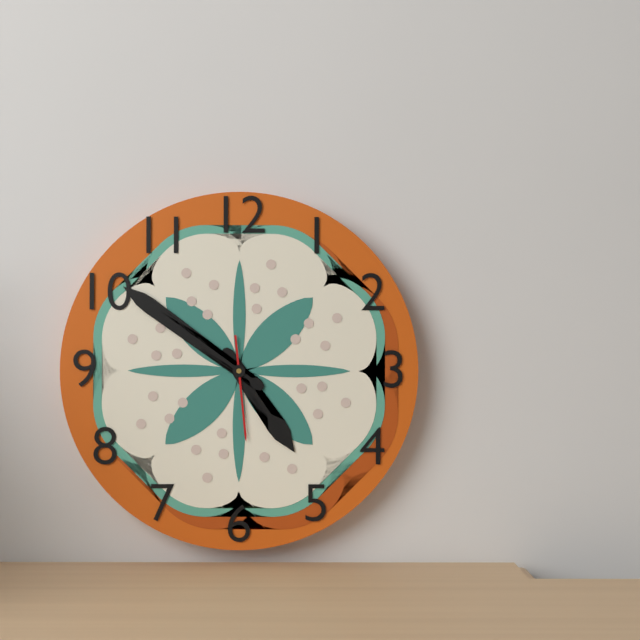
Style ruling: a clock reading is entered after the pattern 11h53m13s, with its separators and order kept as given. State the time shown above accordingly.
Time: 4h51m29s
